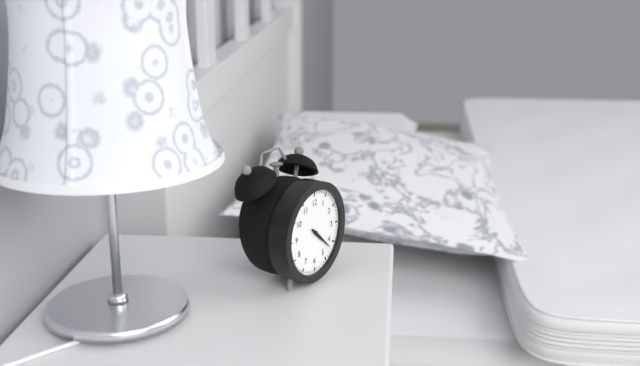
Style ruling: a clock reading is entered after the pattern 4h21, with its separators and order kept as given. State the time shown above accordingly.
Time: 4h22
